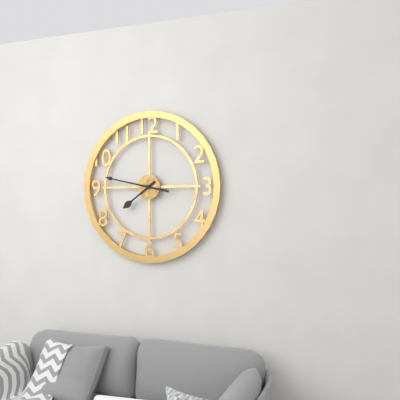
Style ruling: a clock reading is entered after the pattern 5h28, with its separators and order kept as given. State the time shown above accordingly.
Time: 7h47
